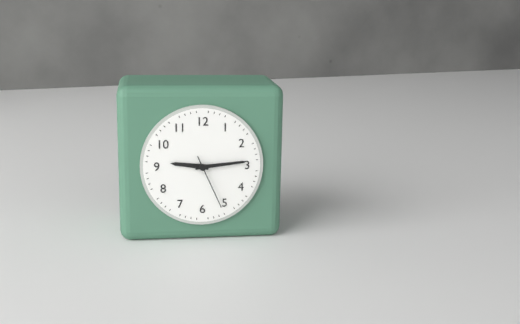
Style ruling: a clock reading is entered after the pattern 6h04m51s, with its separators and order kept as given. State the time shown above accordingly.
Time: 9h14m26s
